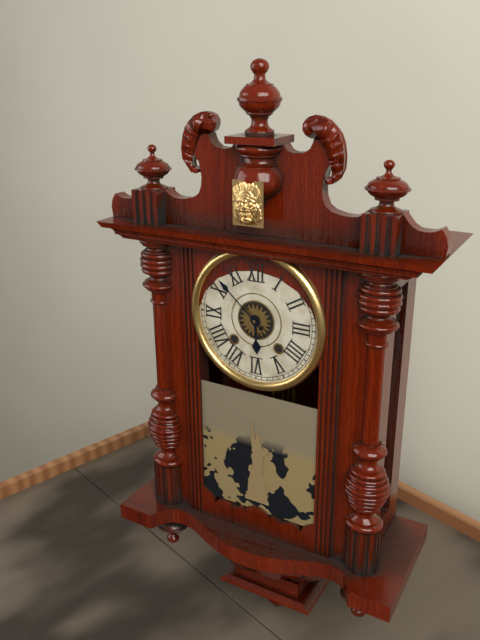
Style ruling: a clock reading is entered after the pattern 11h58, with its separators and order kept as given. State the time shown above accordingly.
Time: 5h52
